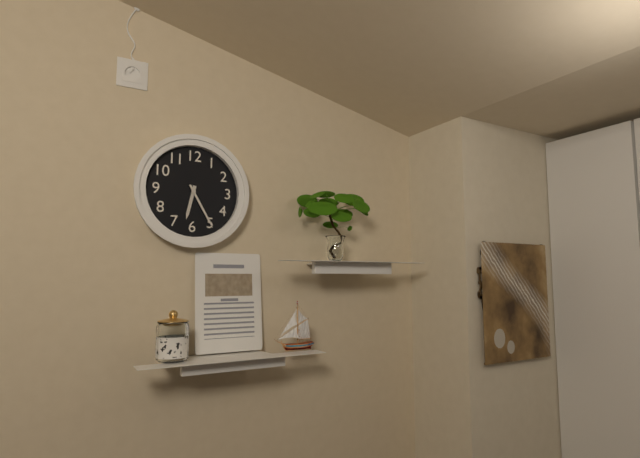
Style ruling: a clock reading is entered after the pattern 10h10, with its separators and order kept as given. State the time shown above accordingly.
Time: 6h25
